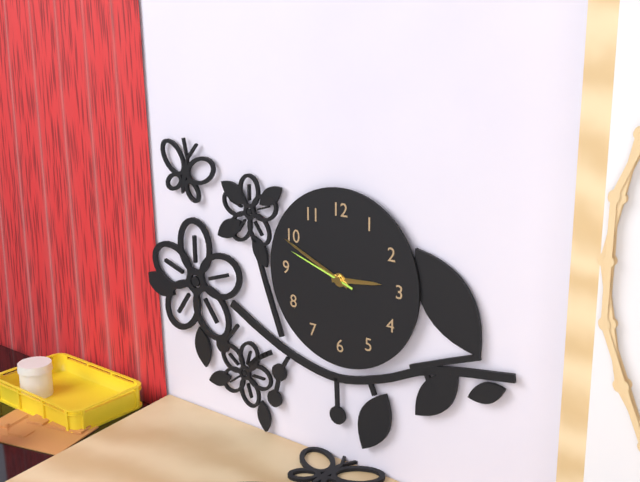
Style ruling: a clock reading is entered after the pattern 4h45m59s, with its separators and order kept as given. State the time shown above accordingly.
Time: 2h49m48s
